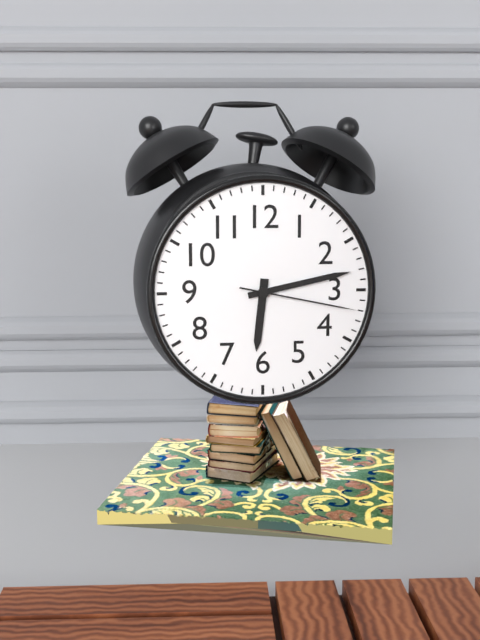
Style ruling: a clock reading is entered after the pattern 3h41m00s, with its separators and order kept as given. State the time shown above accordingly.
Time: 6h13m17s
